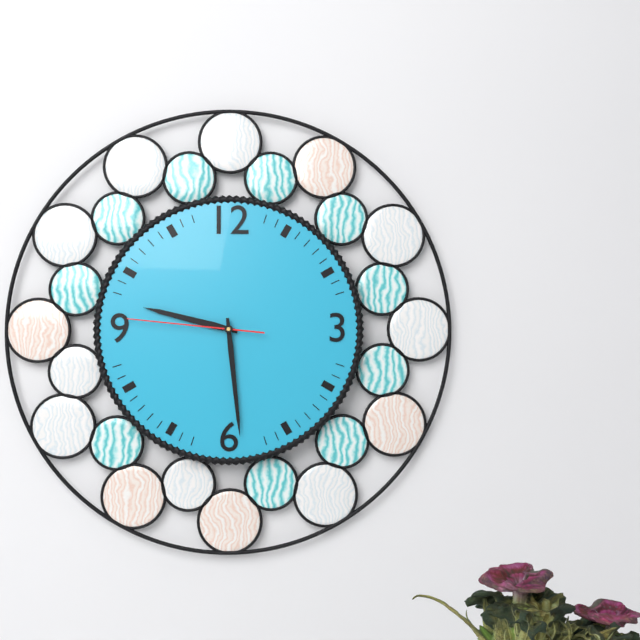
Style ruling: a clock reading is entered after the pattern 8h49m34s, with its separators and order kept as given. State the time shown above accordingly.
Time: 9h29m46s
